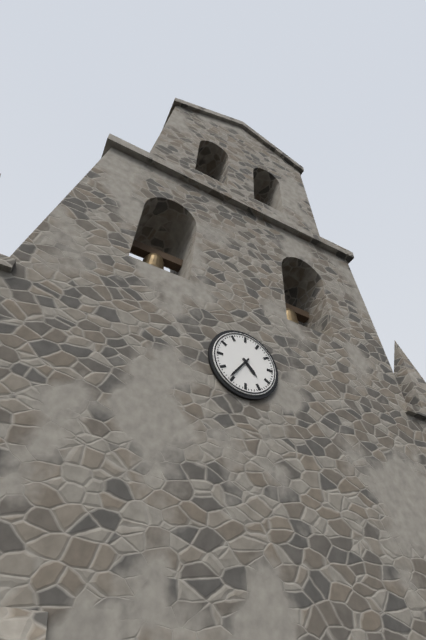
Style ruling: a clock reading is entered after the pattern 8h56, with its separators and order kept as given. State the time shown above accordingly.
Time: 4h36
